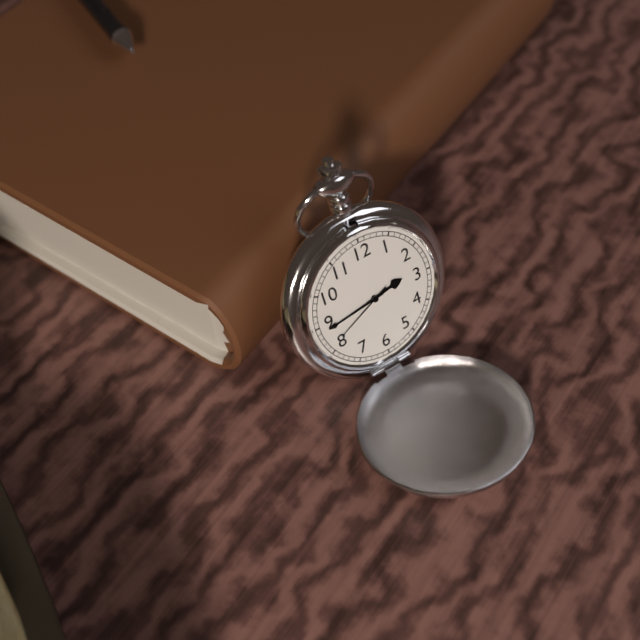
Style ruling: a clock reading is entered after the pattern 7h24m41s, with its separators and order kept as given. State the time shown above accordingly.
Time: 2h44m41s
